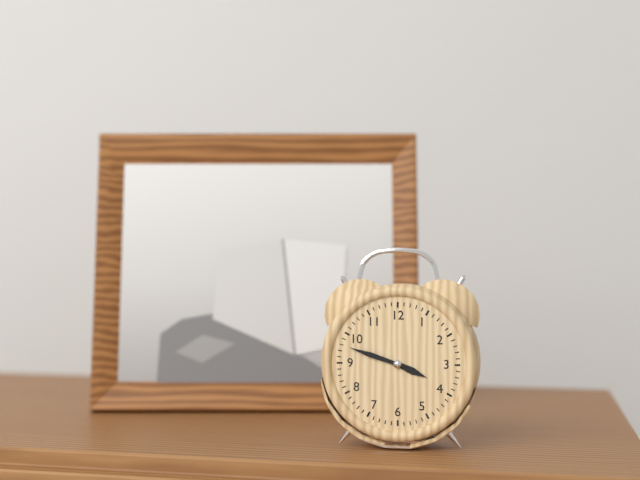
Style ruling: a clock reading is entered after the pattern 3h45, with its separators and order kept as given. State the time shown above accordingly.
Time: 3h48
